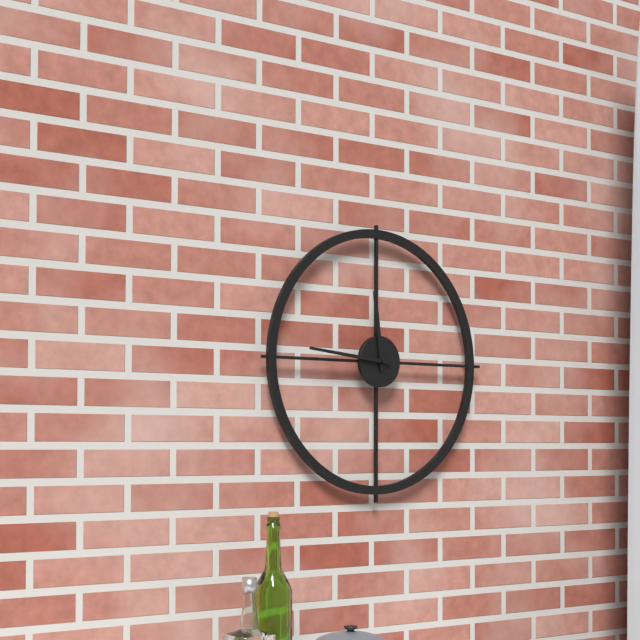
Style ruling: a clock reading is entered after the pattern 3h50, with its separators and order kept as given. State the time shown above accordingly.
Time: 11h46
